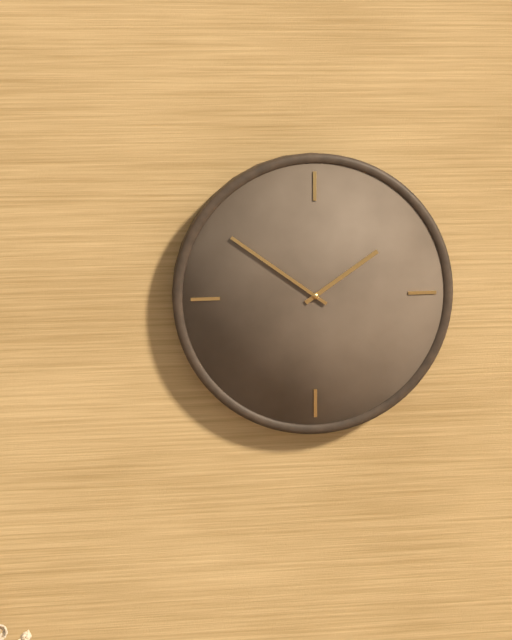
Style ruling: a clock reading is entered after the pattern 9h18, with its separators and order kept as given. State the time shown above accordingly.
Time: 1h51
